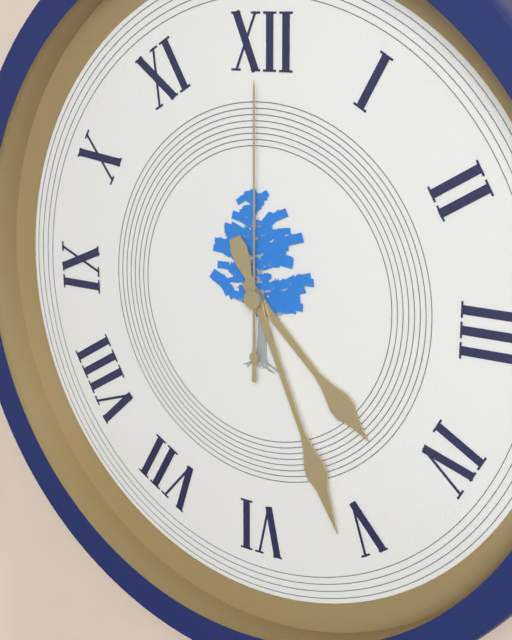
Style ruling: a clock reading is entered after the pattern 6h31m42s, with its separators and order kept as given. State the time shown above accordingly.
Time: 4h26m00s
